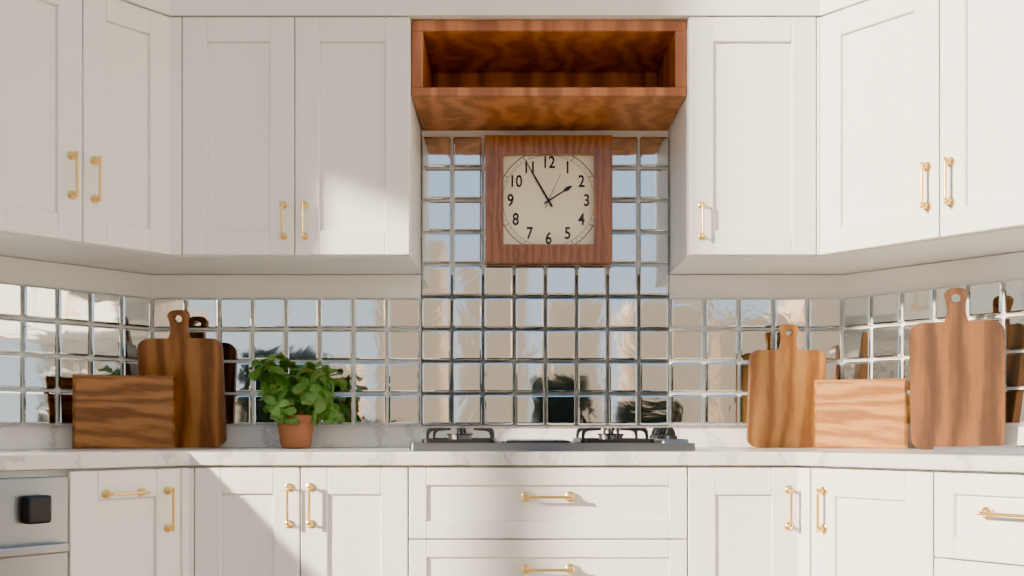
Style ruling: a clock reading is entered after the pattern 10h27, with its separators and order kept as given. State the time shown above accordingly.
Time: 1h55
